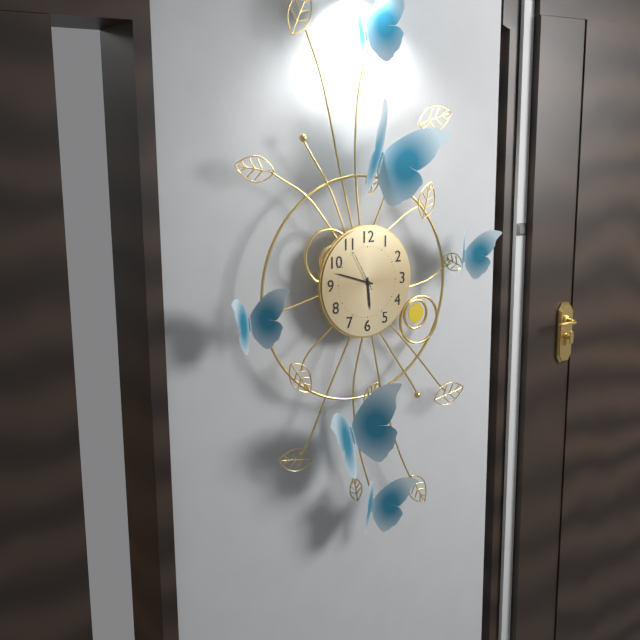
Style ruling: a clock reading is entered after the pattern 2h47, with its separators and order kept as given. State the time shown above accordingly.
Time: 5h48
